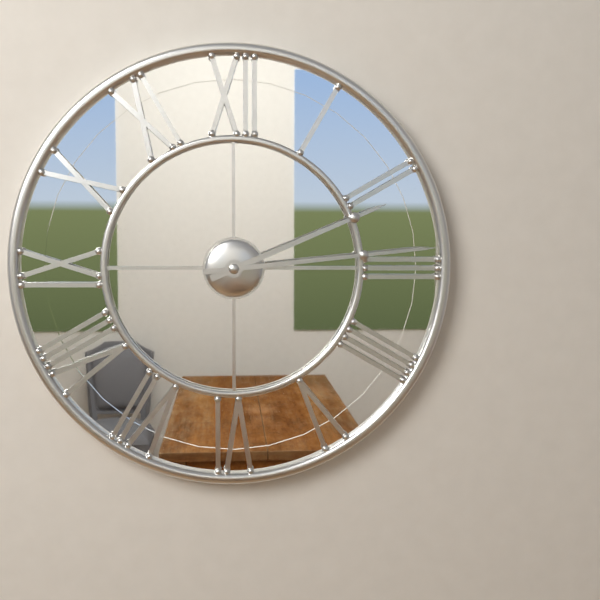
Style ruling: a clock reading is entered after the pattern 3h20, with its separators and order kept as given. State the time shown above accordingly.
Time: 2h14
